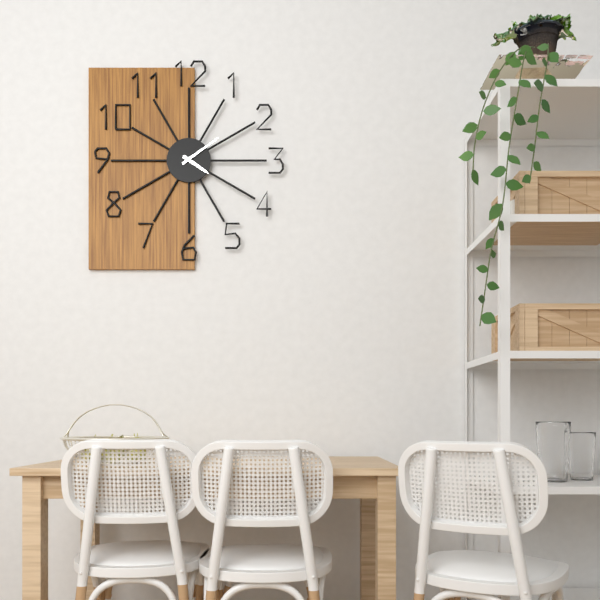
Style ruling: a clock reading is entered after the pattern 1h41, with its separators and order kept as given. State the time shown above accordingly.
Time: 4h09
